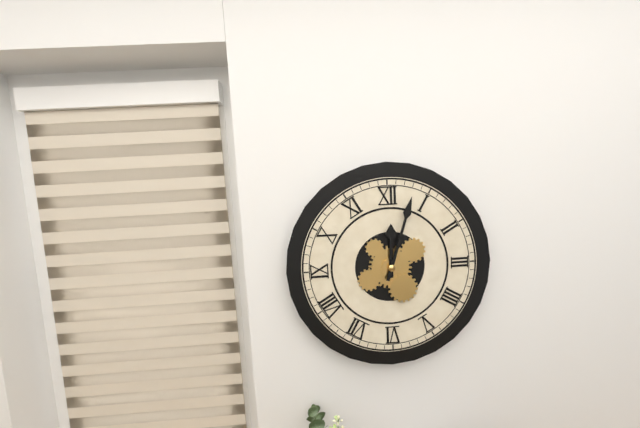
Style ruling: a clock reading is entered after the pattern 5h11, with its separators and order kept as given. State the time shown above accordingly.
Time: 12h03
